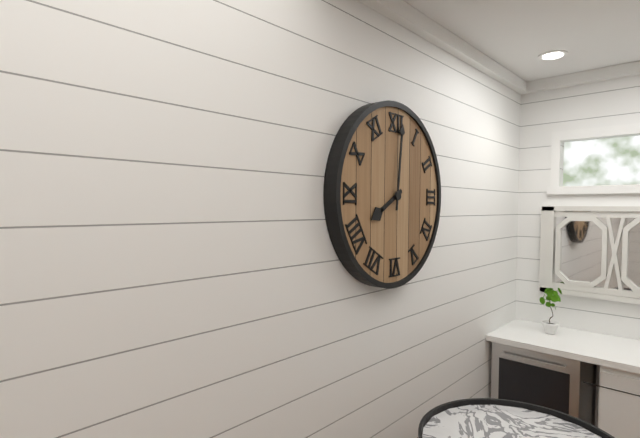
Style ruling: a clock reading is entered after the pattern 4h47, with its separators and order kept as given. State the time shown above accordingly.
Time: 8h01
